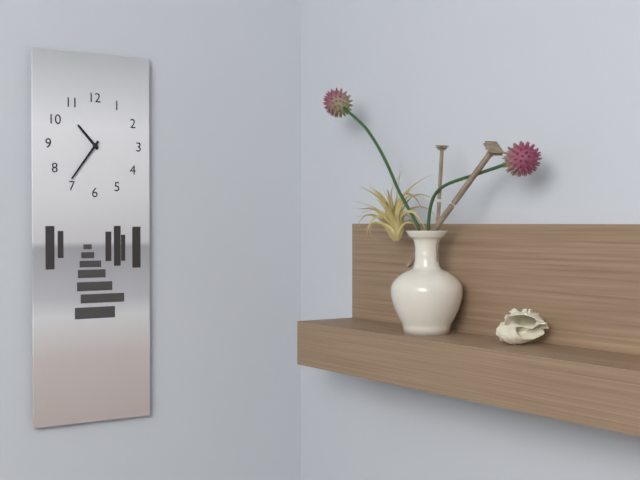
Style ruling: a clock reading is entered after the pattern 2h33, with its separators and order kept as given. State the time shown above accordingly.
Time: 10h36
